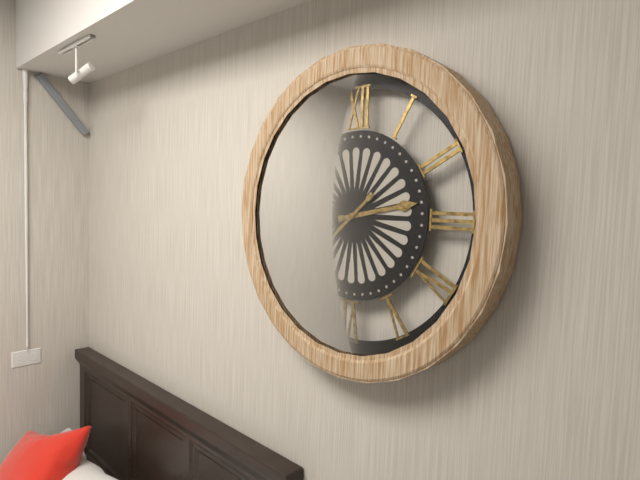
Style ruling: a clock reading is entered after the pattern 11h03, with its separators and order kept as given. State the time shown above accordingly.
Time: 2h38
